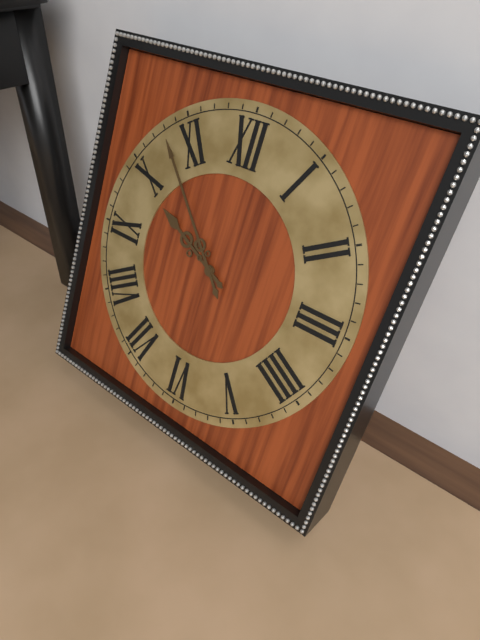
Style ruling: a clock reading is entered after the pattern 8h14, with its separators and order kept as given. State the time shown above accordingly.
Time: 9h53
